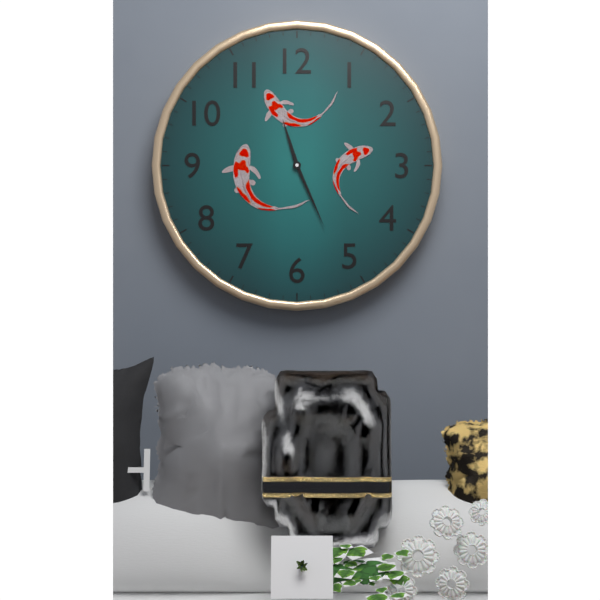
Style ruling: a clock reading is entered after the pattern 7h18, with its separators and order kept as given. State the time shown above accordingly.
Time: 11h26
